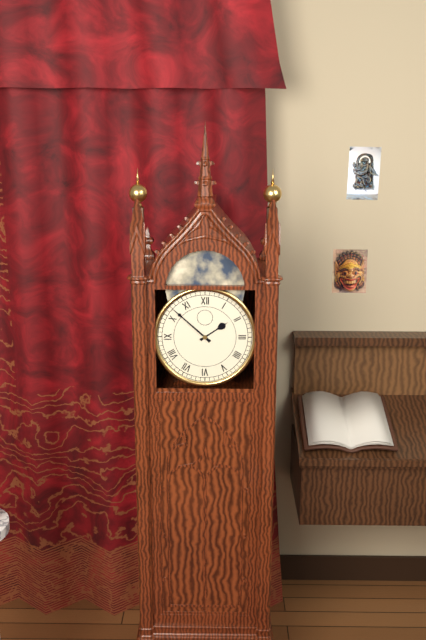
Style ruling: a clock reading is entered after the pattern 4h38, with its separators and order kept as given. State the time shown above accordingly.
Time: 1h52
